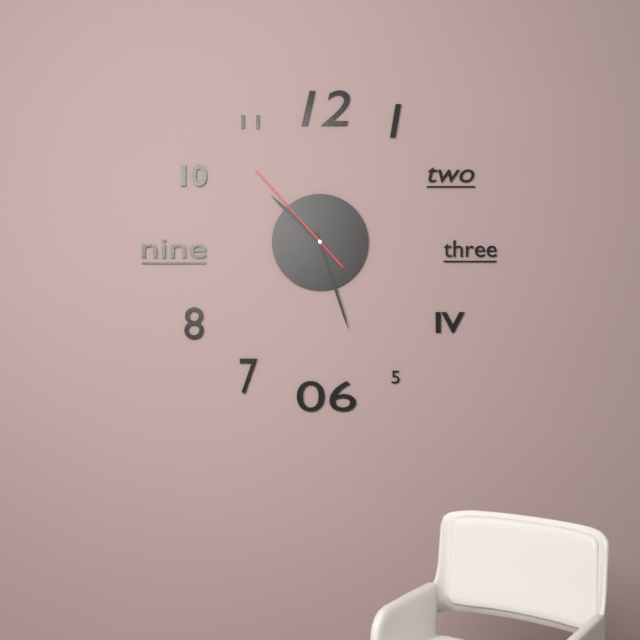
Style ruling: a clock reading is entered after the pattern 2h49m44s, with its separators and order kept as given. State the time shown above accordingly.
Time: 10h27m53s
